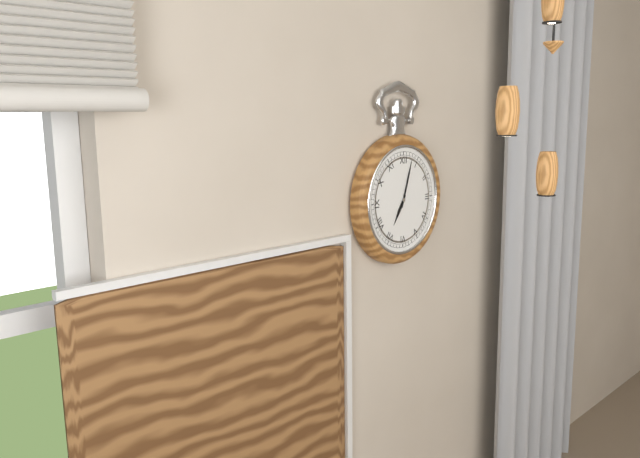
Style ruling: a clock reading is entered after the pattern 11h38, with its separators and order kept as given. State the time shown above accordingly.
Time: 7h03
